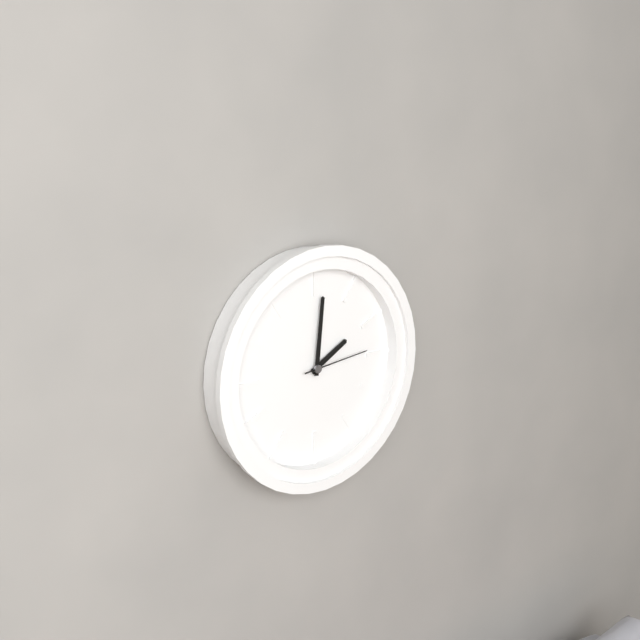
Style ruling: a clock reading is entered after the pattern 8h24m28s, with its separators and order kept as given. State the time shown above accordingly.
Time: 2h01m14s
